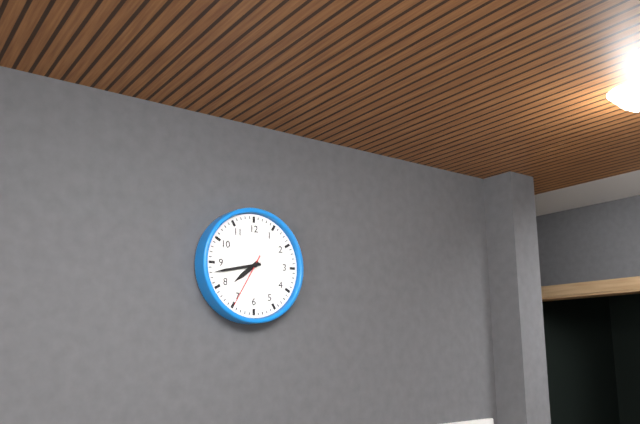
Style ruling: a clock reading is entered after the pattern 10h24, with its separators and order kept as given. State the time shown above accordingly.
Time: 7h43
